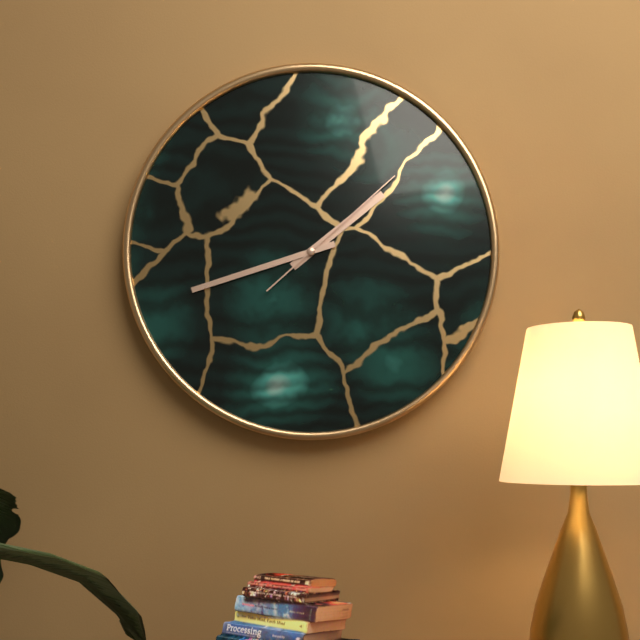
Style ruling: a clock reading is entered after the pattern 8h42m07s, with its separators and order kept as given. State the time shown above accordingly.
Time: 1h42m08s
